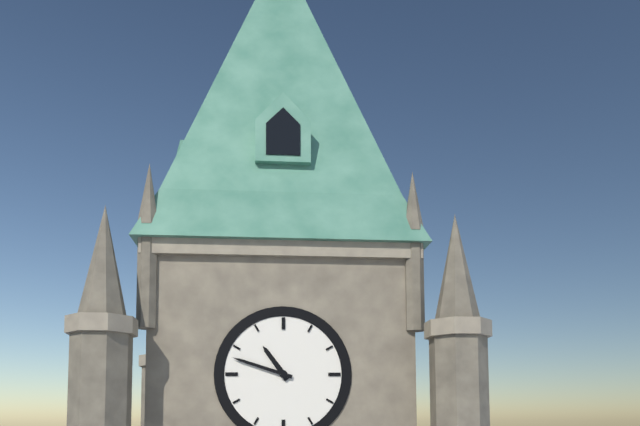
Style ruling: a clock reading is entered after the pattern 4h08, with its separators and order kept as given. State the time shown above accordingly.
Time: 10h48
